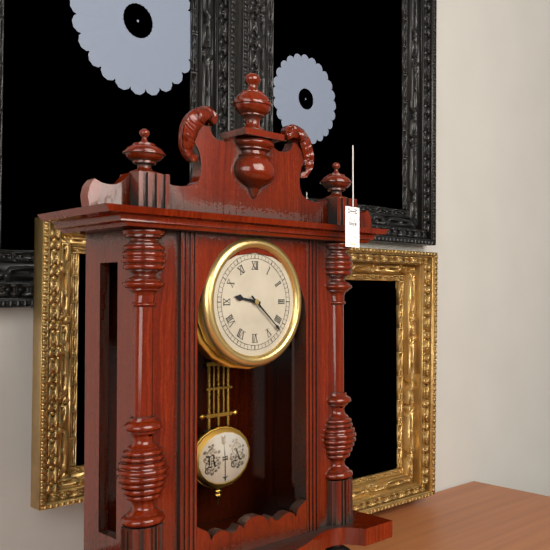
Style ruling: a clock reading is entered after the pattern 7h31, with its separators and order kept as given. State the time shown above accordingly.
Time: 9h22
